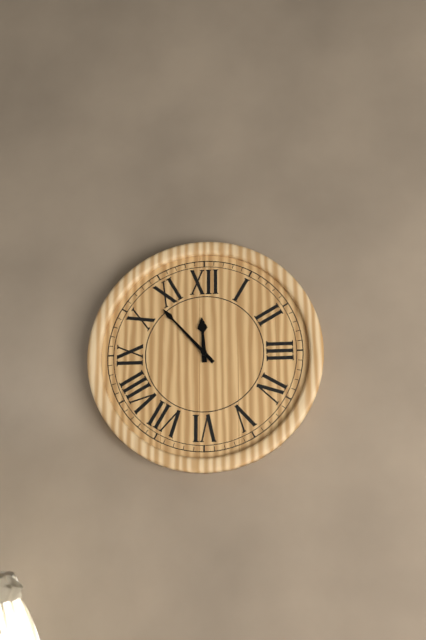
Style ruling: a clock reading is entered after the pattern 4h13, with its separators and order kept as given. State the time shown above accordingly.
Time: 11h53
